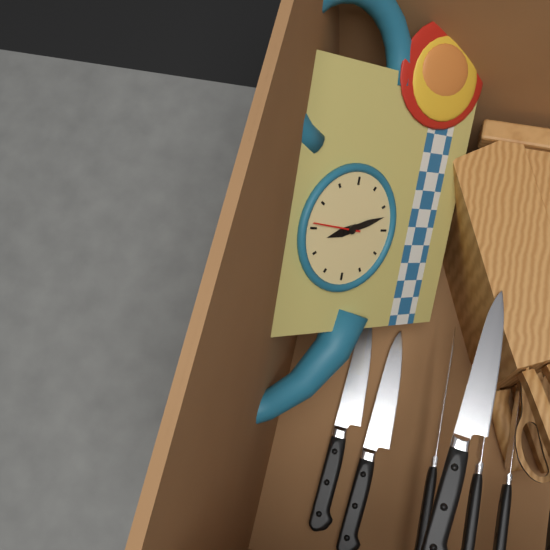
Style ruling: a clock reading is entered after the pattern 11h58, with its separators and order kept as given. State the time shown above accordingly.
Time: 11h27
